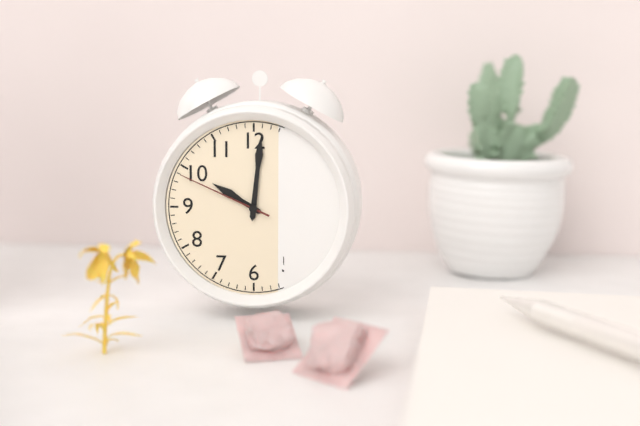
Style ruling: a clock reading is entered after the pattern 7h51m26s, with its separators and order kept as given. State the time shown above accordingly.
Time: 10h01m49s
